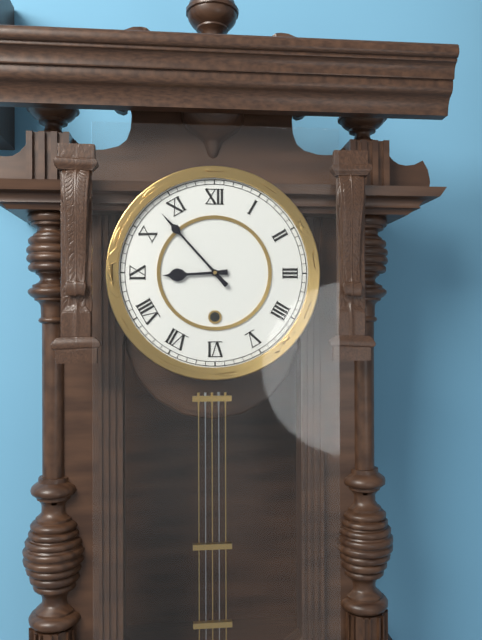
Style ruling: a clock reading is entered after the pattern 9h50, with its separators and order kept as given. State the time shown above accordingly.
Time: 8h53
